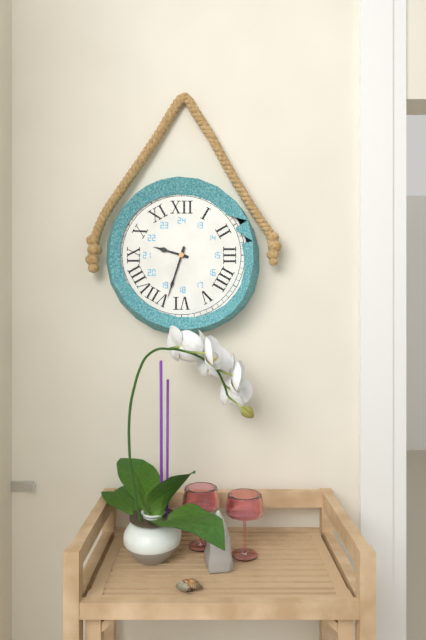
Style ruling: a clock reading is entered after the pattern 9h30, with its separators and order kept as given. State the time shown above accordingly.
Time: 9h33
